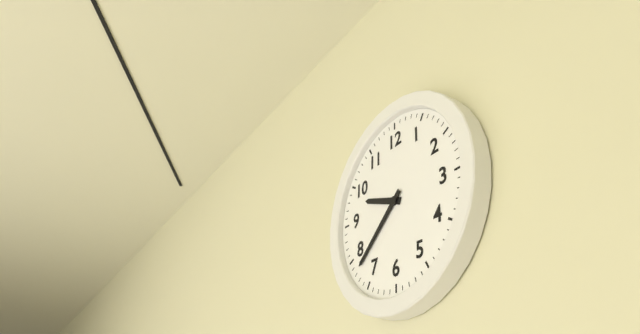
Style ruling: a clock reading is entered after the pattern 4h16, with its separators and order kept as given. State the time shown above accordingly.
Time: 9h38
